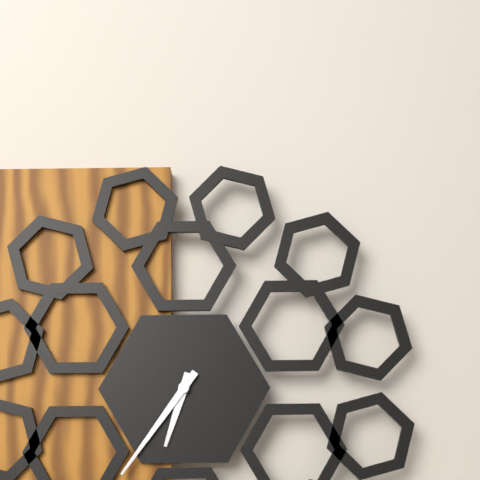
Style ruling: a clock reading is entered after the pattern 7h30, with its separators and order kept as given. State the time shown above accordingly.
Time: 6h36
